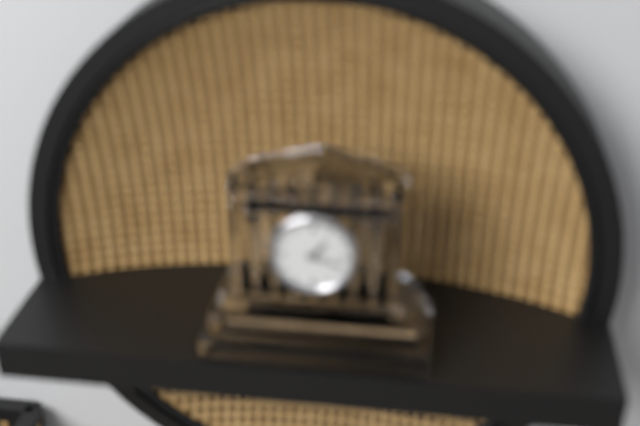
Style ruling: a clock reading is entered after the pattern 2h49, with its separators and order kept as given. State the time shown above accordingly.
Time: 1h18
